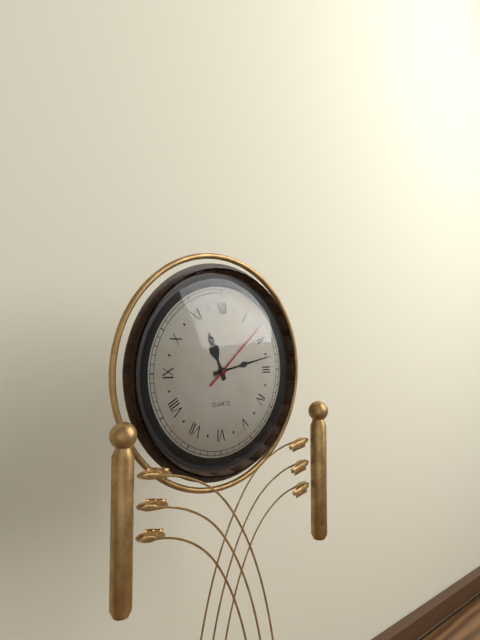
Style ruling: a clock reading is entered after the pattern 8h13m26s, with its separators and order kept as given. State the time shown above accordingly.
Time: 11h13m08s
